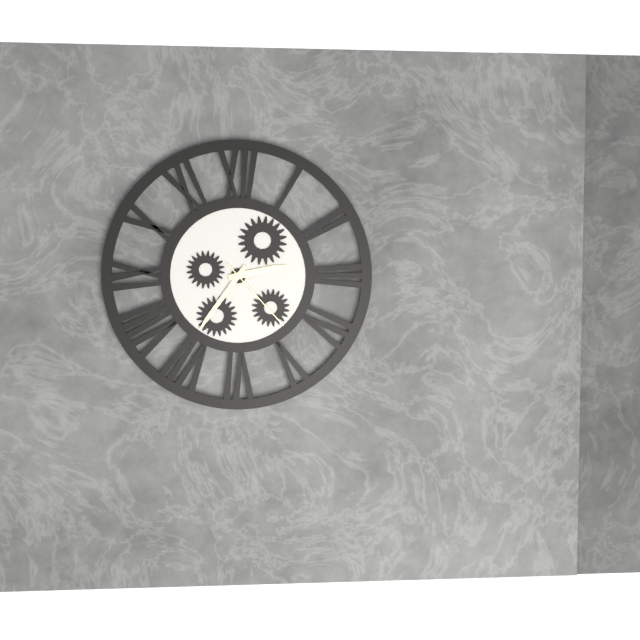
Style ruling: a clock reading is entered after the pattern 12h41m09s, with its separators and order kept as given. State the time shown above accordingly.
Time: 2h36m23s
